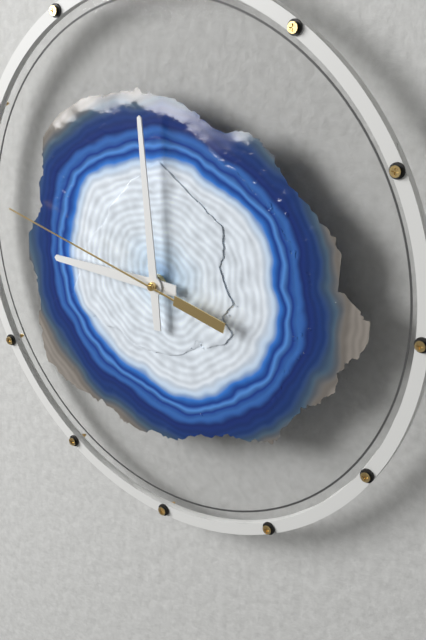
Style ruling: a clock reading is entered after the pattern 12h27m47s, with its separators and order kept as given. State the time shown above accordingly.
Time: 8h59m47s
